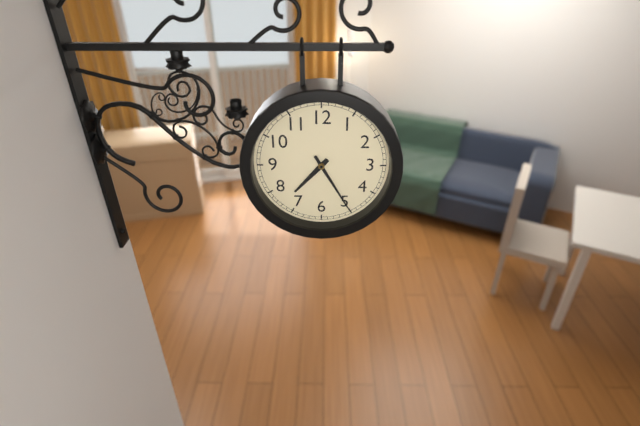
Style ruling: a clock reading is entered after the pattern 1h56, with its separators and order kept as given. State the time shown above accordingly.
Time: 7h25
